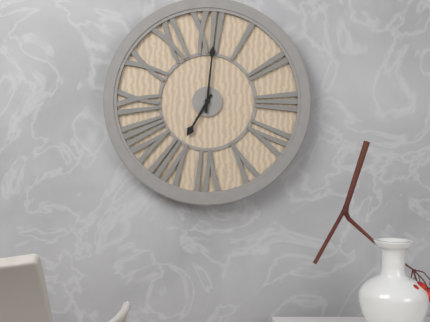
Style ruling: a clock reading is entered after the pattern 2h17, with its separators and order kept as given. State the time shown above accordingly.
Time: 7h01
